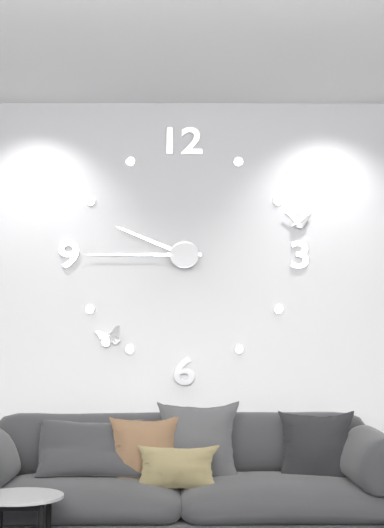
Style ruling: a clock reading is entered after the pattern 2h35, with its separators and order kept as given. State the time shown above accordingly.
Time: 9h45
